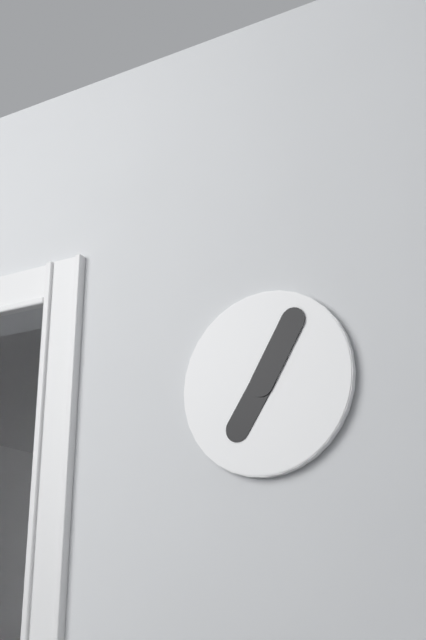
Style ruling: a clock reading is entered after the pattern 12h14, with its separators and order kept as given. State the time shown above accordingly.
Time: 7h05
